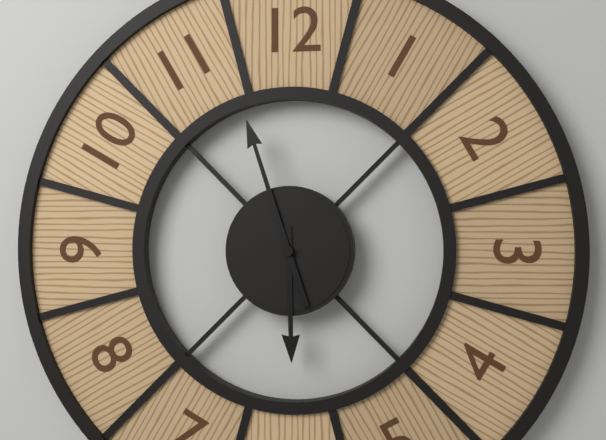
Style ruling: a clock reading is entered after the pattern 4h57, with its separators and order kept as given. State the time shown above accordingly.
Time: 5h57
